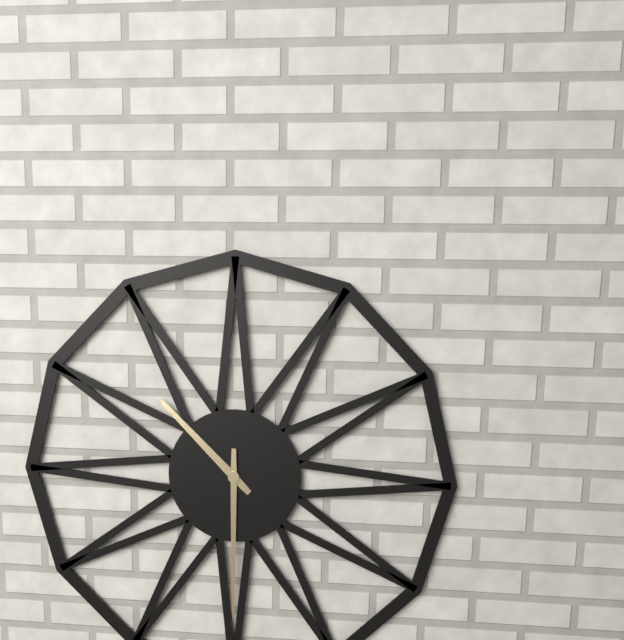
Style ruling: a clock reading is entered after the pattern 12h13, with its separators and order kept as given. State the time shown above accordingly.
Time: 10h30
